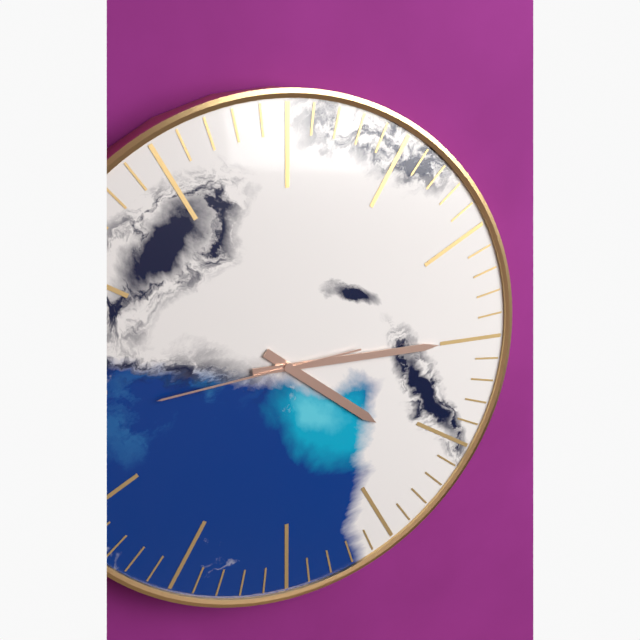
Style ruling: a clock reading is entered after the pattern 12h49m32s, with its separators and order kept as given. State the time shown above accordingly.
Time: 4h15m44s
